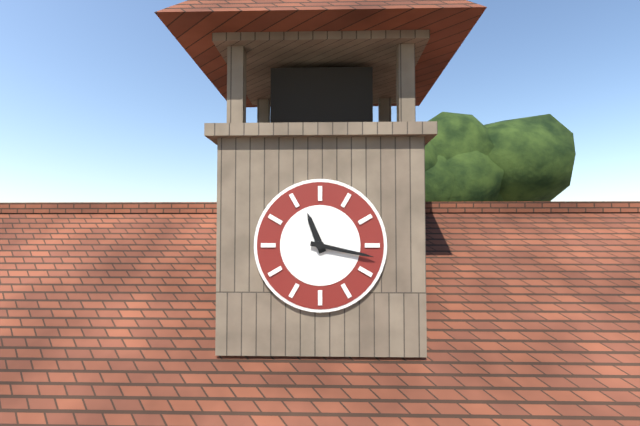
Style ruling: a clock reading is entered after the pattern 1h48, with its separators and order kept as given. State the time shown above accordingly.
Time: 11h17
